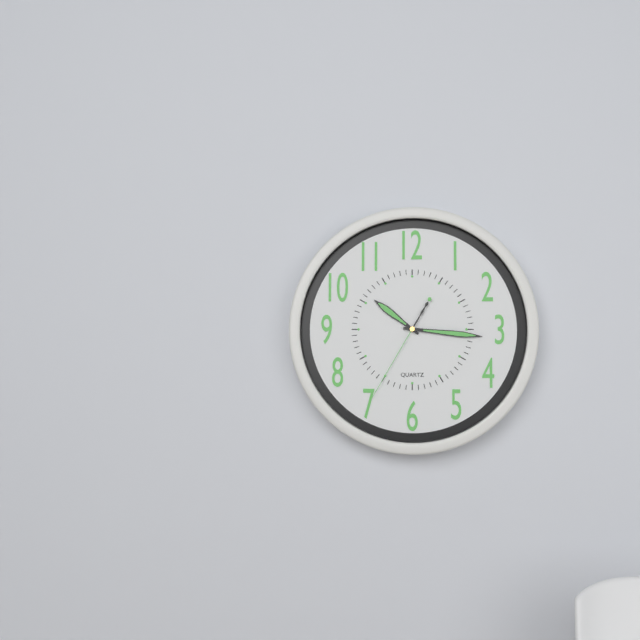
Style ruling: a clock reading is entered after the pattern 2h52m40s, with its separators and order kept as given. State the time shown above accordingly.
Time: 10h16m35s
